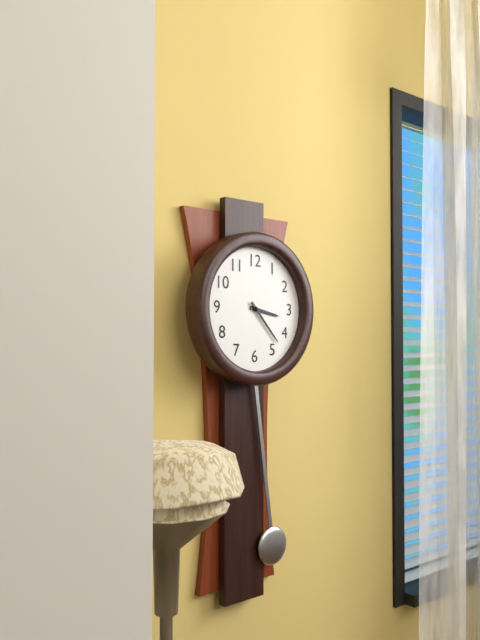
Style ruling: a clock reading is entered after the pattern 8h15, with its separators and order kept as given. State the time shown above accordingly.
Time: 3h23
